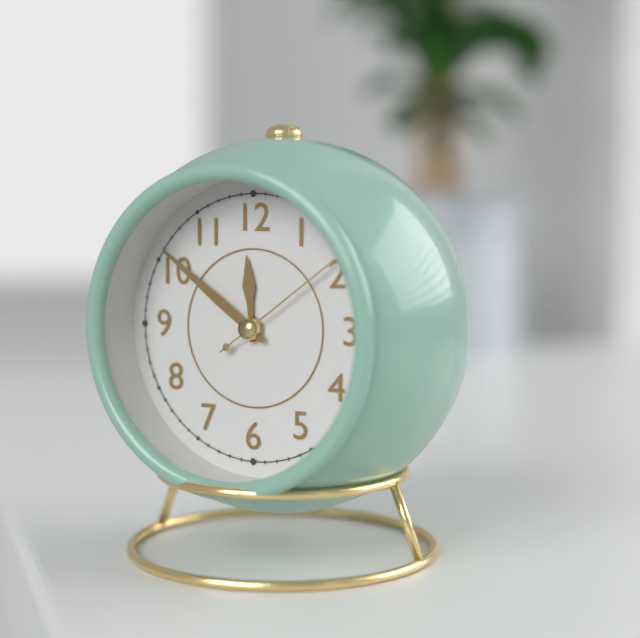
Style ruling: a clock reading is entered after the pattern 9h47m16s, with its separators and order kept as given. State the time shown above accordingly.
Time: 11h51m09s
